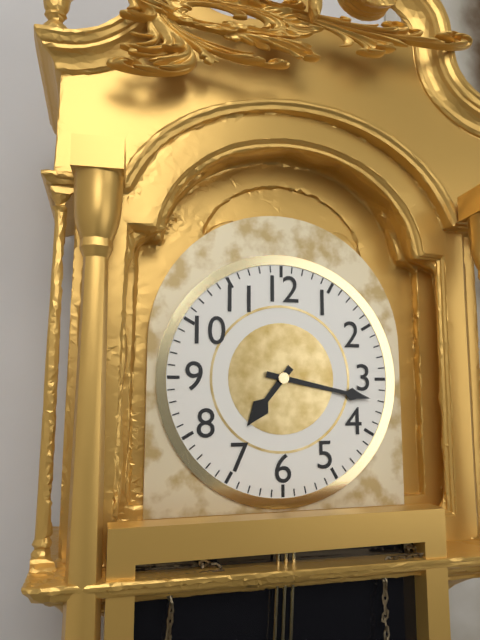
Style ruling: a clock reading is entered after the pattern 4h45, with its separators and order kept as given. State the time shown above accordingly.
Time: 7h17
